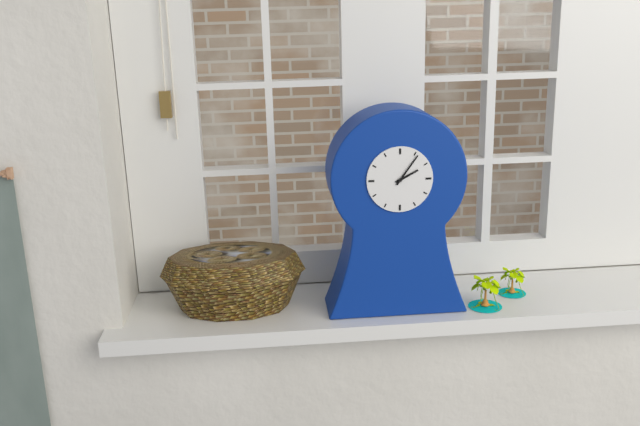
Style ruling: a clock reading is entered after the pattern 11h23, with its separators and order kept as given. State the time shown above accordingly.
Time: 2h06
